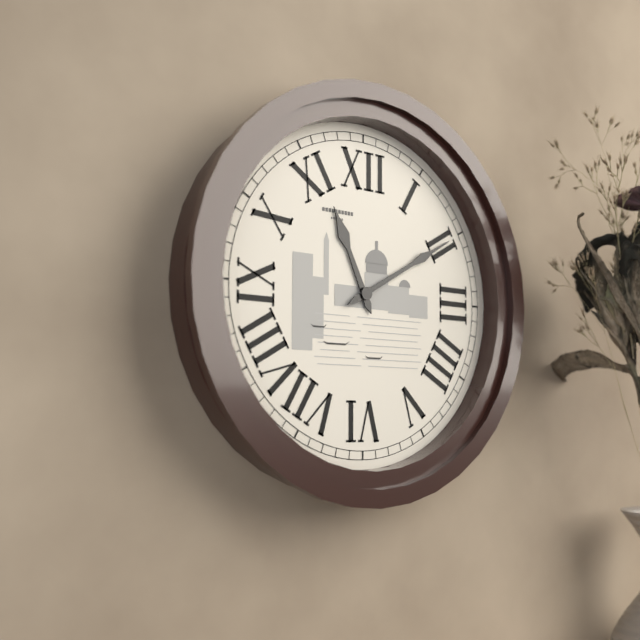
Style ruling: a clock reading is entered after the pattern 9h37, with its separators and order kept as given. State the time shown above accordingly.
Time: 11h10
